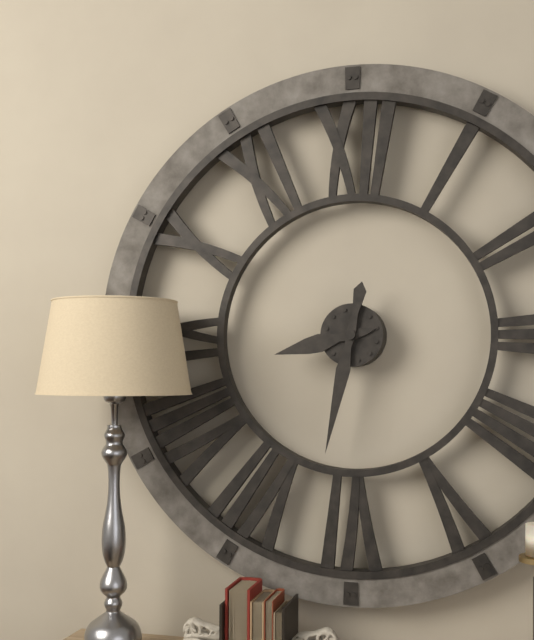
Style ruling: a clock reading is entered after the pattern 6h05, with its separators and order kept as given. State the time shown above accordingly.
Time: 8h32
